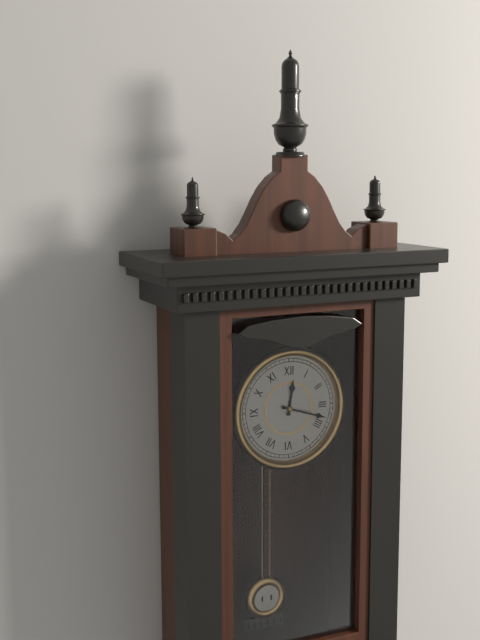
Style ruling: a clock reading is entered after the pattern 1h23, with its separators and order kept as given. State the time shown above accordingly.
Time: 12h18
